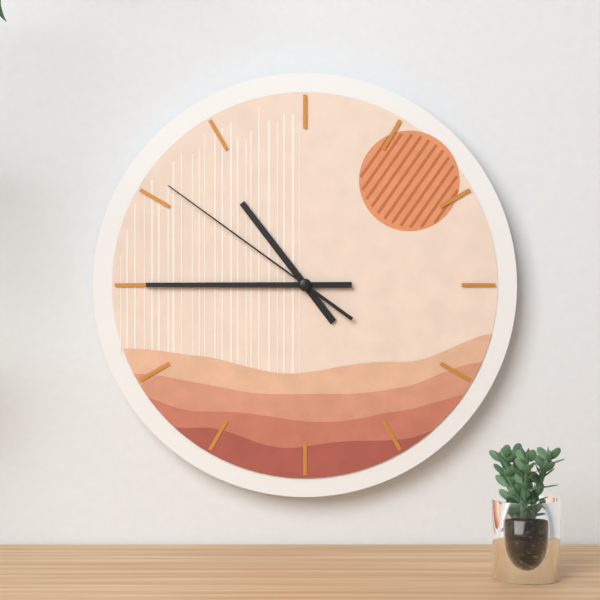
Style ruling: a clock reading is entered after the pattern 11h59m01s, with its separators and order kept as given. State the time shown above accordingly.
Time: 10h45m51s
